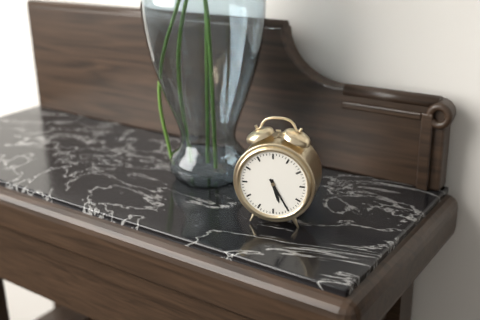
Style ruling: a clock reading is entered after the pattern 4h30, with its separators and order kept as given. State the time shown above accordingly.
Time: 5h25
